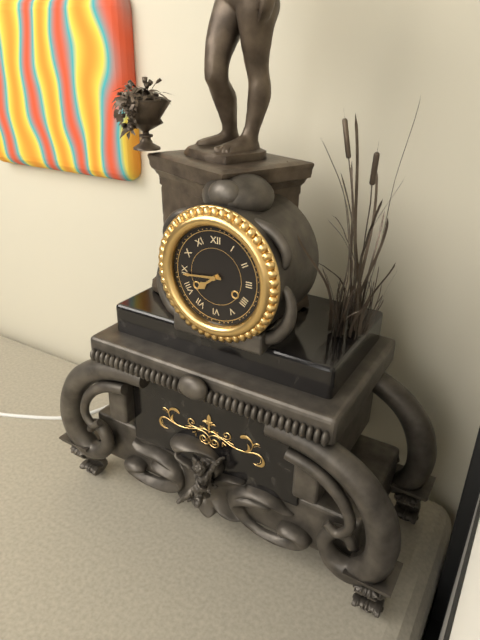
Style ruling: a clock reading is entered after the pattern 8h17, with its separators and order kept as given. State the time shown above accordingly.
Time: 7h44
